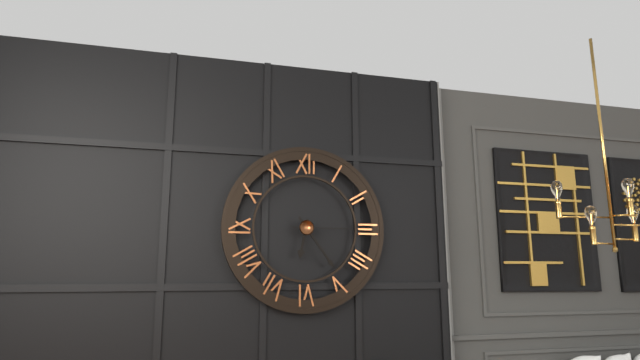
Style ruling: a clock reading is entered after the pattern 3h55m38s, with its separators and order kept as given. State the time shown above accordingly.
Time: 6h24m15s
